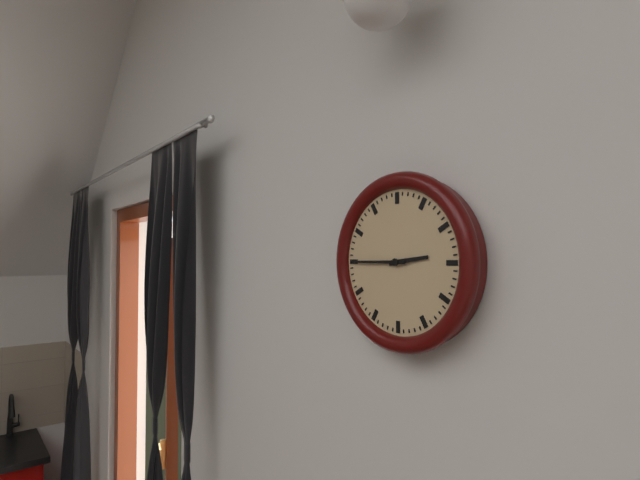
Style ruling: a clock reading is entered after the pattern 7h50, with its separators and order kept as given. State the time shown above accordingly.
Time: 2h45
